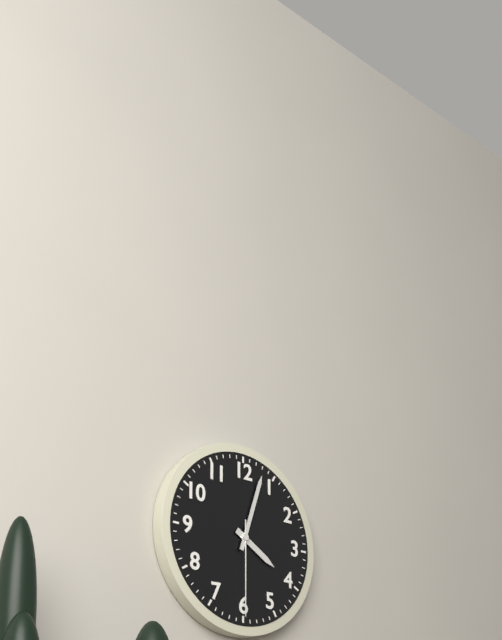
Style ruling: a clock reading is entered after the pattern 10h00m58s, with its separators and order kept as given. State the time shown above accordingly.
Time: 4h03m30s
